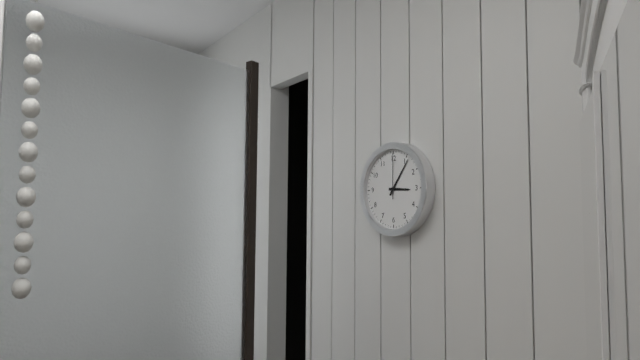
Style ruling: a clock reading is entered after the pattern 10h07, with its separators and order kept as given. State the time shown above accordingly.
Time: 3h06
